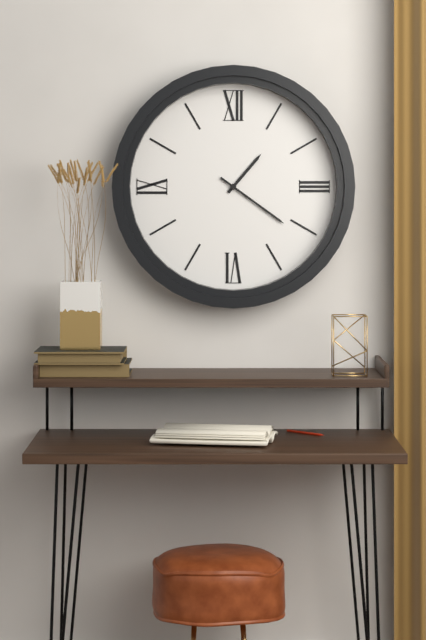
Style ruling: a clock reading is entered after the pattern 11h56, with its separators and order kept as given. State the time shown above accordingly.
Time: 1h21
